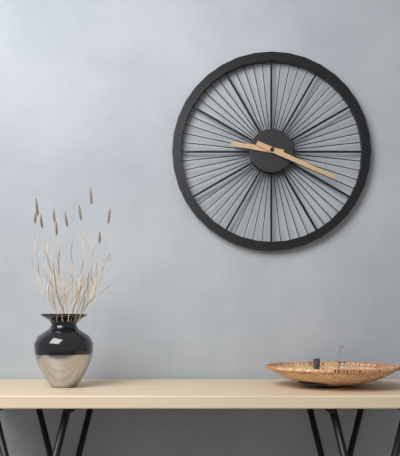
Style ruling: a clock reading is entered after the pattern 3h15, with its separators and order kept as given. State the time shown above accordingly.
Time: 9h19
